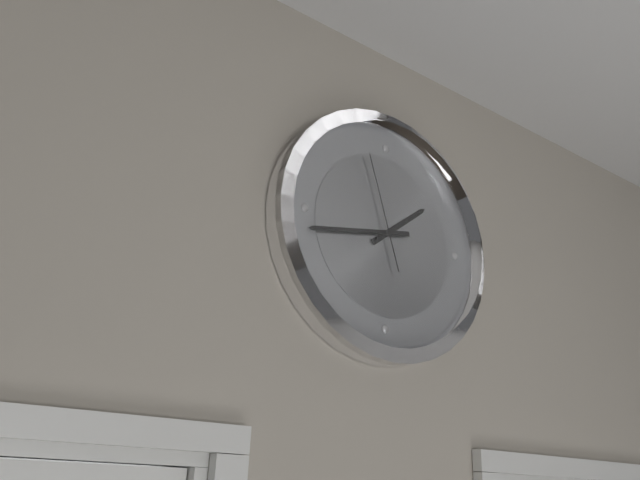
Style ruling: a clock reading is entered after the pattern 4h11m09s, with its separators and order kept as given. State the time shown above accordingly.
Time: 1h43m57s
